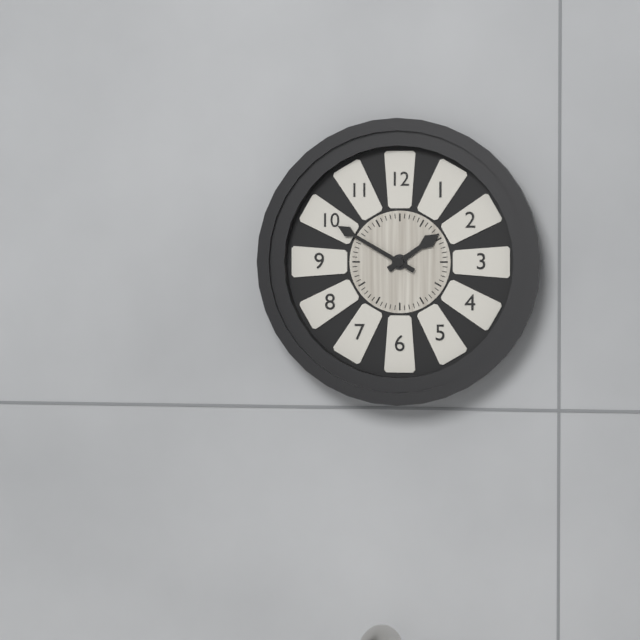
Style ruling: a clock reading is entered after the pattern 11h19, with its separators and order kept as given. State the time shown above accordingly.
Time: 1h50
